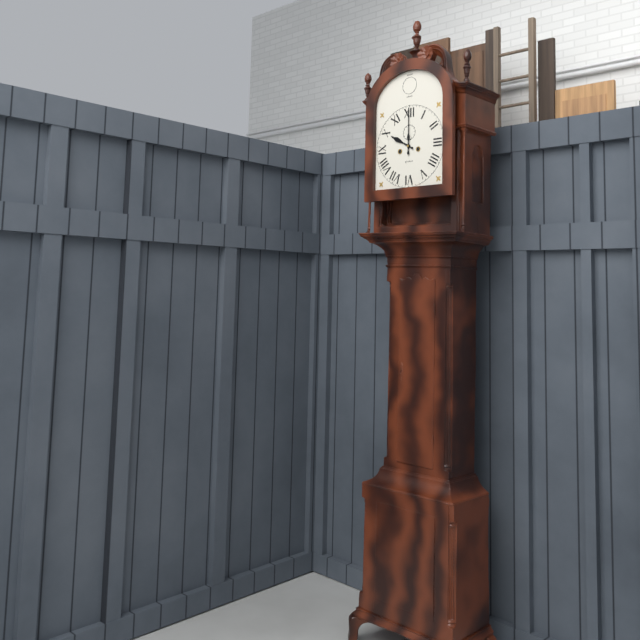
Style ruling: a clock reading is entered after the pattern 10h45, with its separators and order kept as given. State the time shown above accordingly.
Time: 10h00
